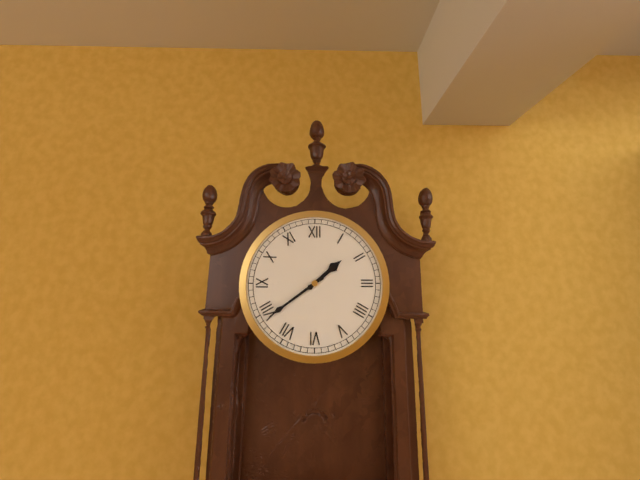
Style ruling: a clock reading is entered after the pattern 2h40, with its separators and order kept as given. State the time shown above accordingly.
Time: 1h39
